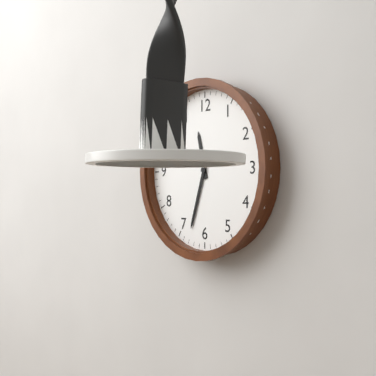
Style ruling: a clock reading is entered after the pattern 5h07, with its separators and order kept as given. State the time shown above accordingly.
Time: 11h33
